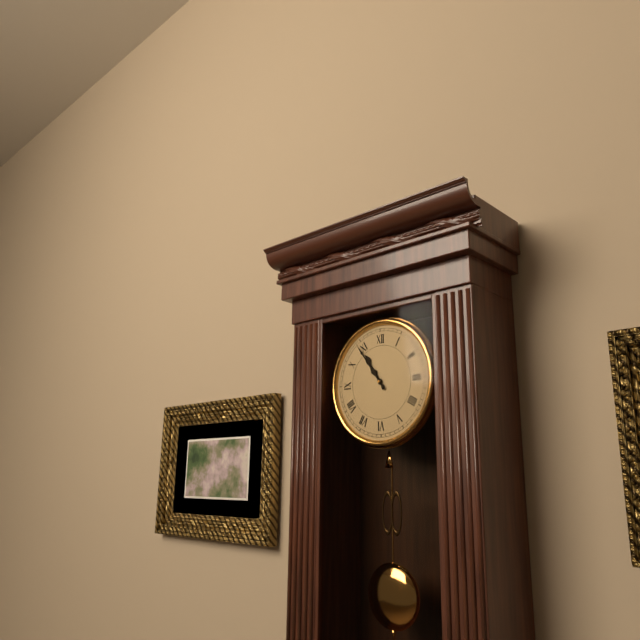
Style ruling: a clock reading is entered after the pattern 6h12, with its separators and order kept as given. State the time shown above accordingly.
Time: 10h54
